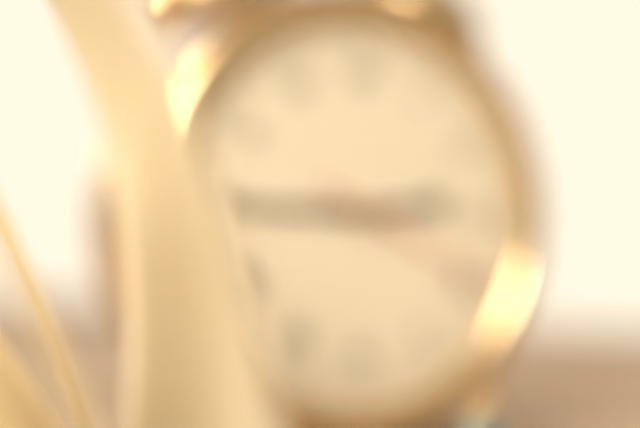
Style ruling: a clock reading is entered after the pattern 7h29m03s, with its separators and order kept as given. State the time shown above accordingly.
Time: 2h45m19s
